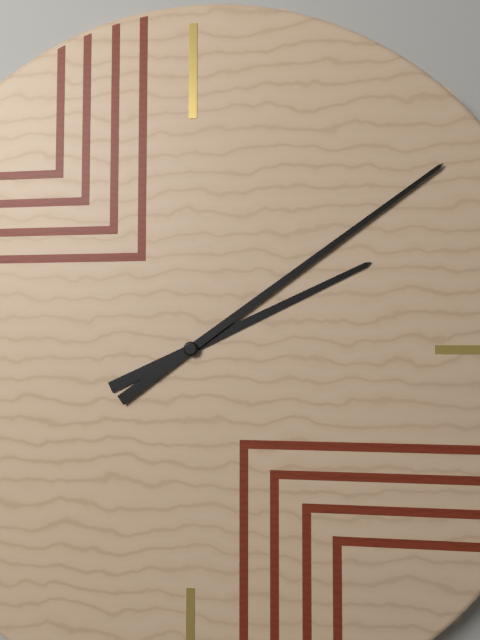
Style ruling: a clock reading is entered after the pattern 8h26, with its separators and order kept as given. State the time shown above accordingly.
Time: 2h09
